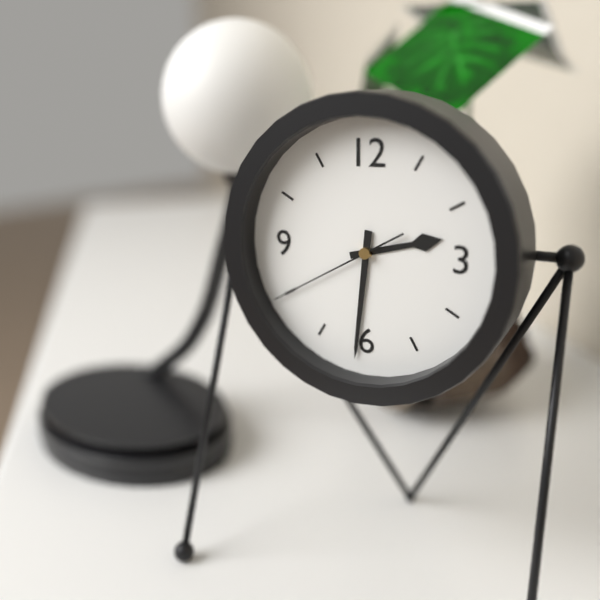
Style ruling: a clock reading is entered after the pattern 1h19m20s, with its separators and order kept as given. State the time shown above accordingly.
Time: 2h31m40s
